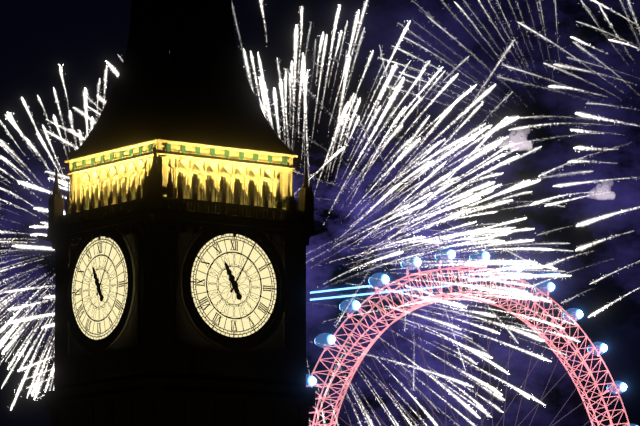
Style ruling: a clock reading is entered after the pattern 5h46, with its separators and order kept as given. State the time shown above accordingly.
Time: 11h05
